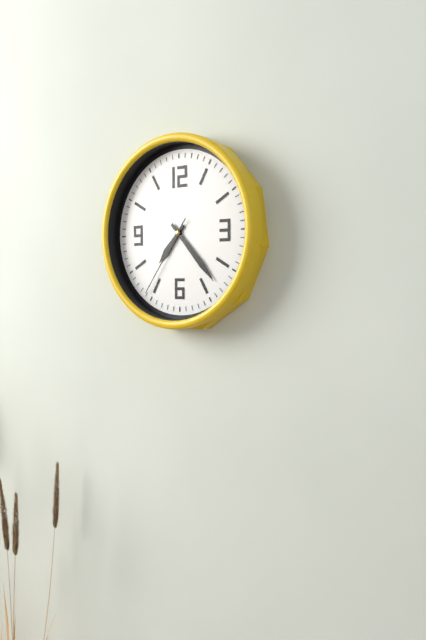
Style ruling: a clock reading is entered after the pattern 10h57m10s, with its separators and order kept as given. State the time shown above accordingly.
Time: 7h23m36s
